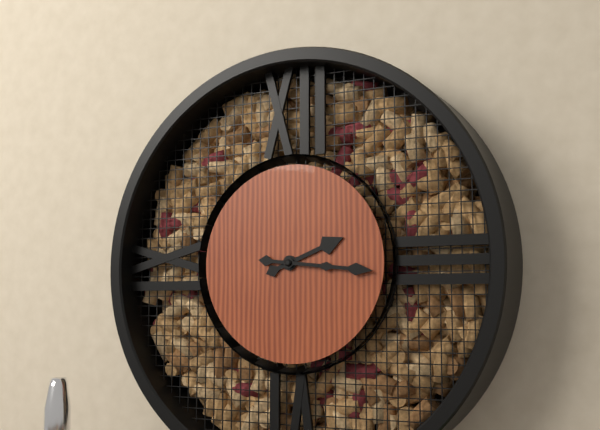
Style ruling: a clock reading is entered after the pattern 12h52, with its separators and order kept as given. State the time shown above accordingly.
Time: 2h16
